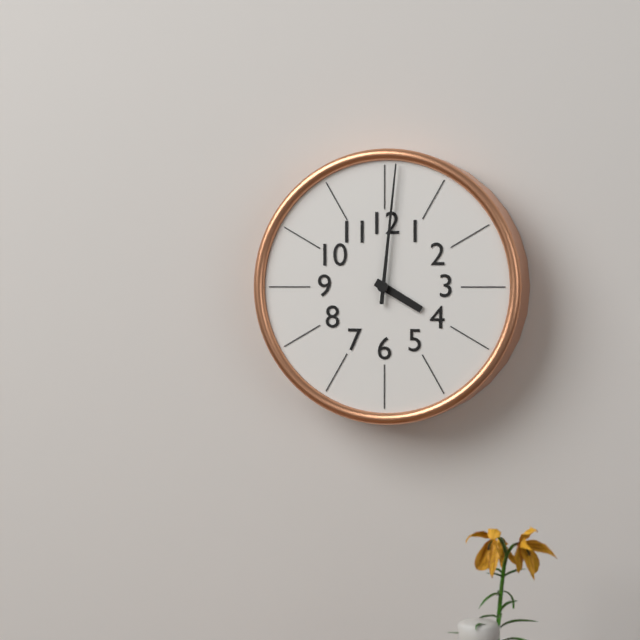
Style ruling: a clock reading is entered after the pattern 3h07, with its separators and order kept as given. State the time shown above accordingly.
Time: 4h01
